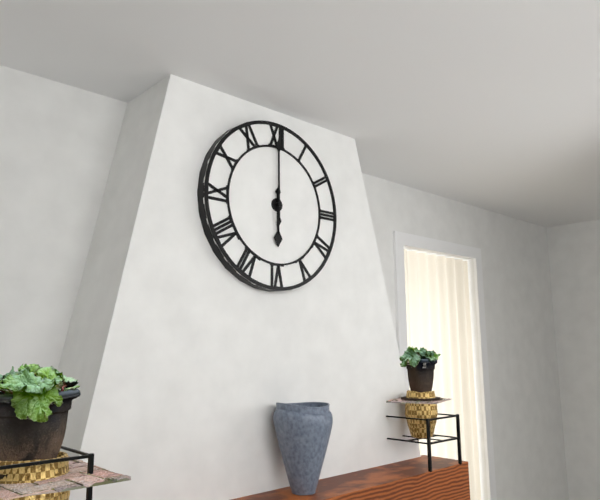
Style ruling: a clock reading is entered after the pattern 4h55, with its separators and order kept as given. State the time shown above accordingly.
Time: 6h00
